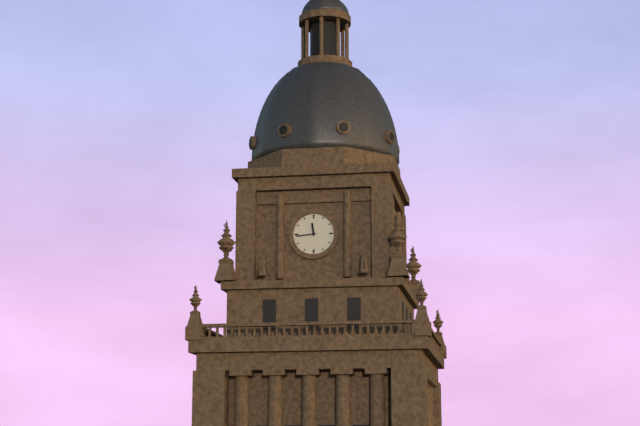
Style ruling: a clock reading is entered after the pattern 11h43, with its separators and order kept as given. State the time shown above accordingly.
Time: 11h44
